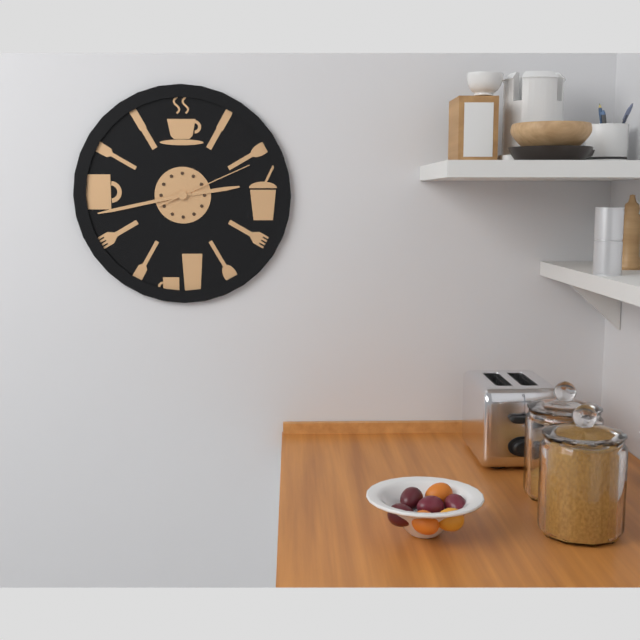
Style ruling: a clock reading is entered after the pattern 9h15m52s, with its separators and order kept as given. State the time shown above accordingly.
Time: 2h43m11s
